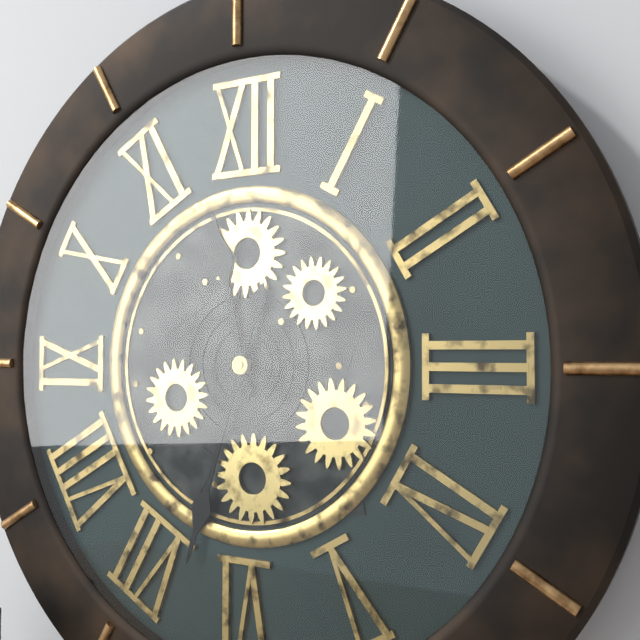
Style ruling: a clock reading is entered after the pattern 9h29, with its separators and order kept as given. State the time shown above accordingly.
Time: 11h33
